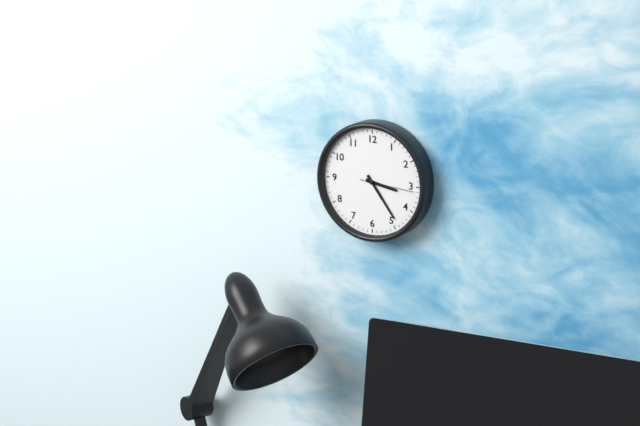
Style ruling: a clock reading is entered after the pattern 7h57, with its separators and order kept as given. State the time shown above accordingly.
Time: 3h24
